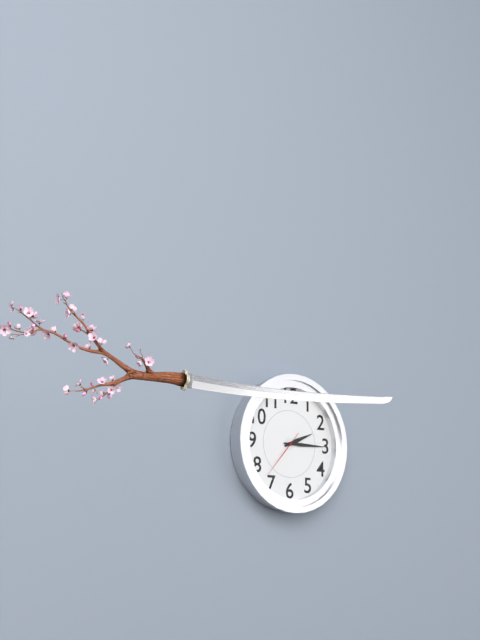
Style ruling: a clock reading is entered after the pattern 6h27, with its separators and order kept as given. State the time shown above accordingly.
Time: 2h15
